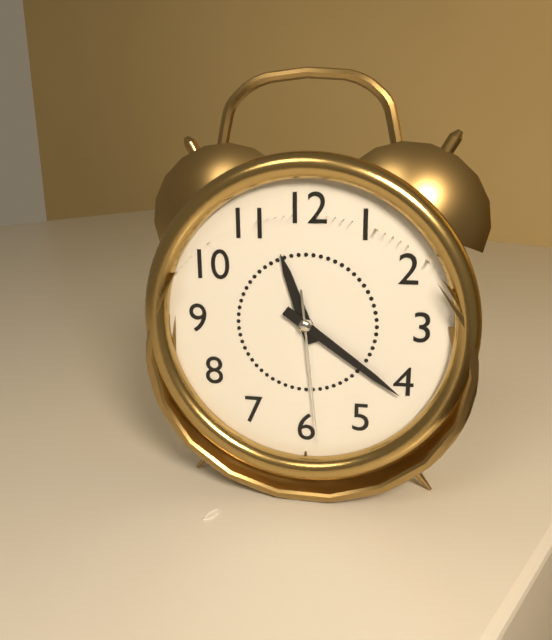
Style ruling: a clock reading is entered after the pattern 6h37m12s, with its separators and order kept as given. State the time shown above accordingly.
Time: 11h21m29s
